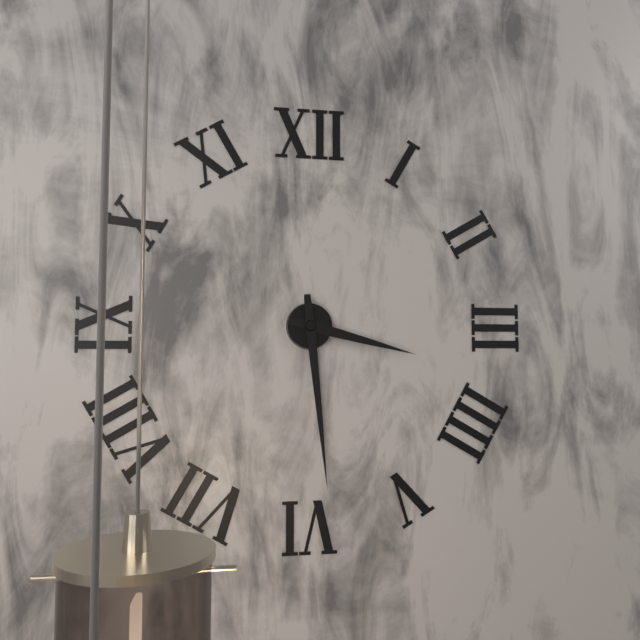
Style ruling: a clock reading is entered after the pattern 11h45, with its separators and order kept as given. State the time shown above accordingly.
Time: 3h29
